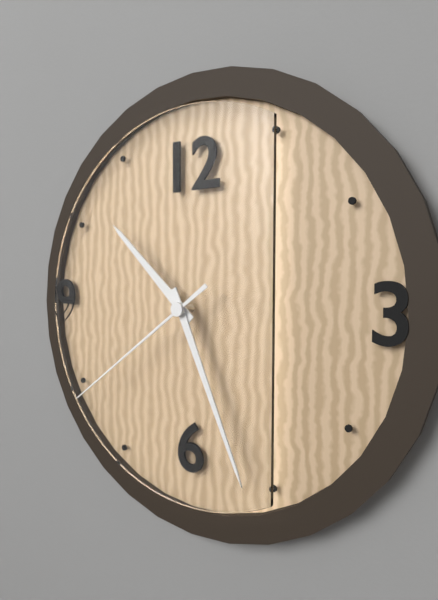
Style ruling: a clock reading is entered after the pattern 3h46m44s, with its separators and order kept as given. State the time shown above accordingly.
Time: 10h26m39s
